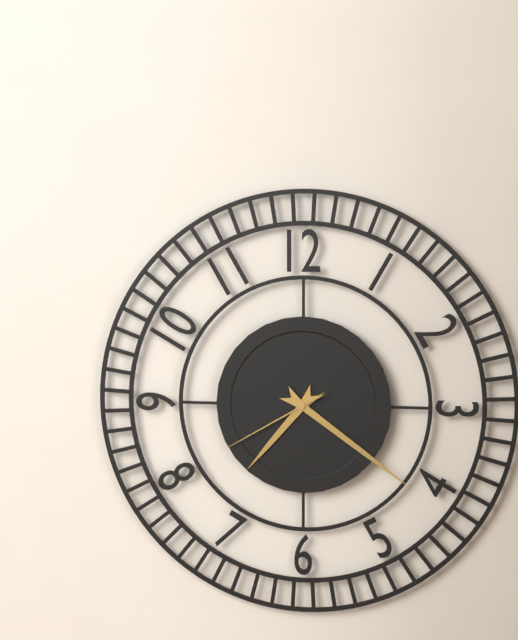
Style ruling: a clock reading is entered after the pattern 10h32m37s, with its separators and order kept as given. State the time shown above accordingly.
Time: 7h21m40s
